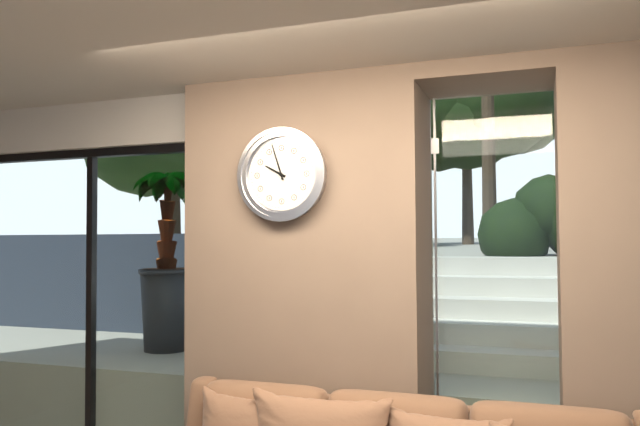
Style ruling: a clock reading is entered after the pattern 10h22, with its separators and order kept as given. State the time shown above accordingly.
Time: 9h57
